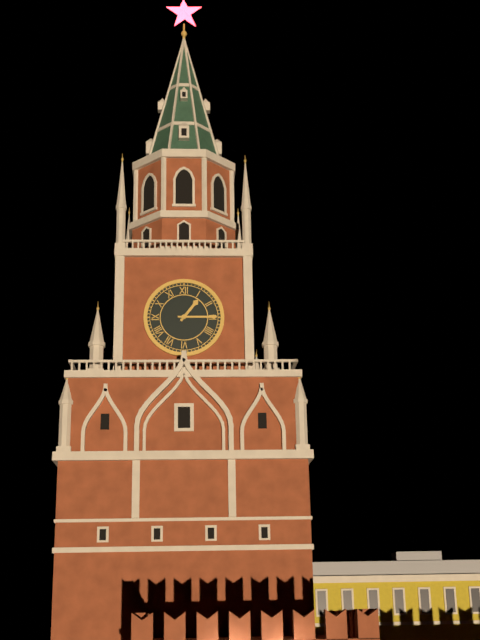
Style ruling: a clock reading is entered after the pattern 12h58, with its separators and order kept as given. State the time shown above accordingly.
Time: 1h15
